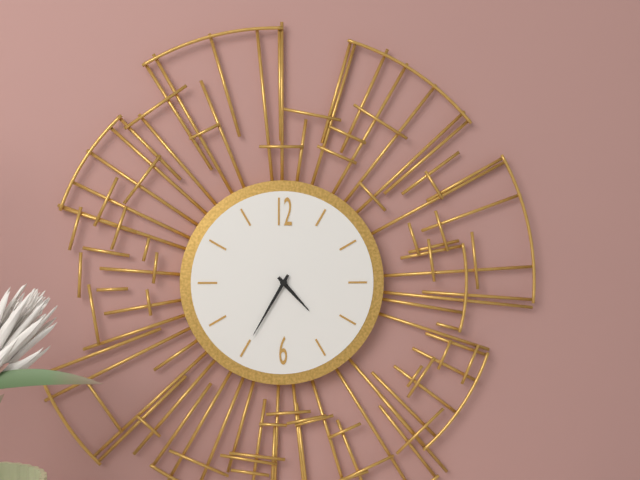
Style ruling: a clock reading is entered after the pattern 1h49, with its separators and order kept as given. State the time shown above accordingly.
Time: 4h35
